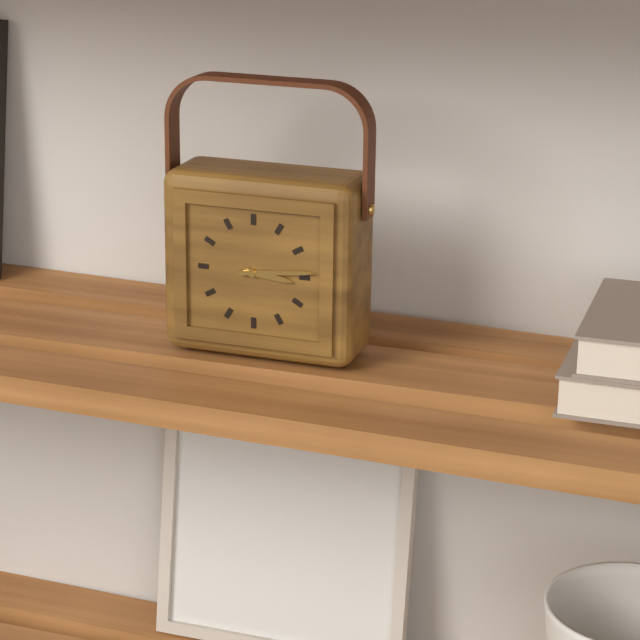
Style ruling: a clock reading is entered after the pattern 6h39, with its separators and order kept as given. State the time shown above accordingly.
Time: 3h14
